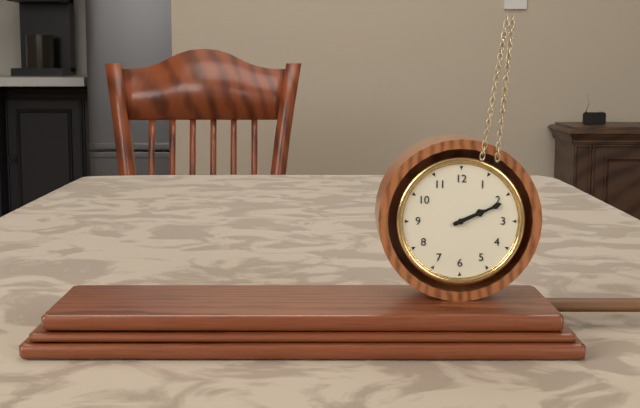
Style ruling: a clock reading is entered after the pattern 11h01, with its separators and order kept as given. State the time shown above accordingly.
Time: 2h11
